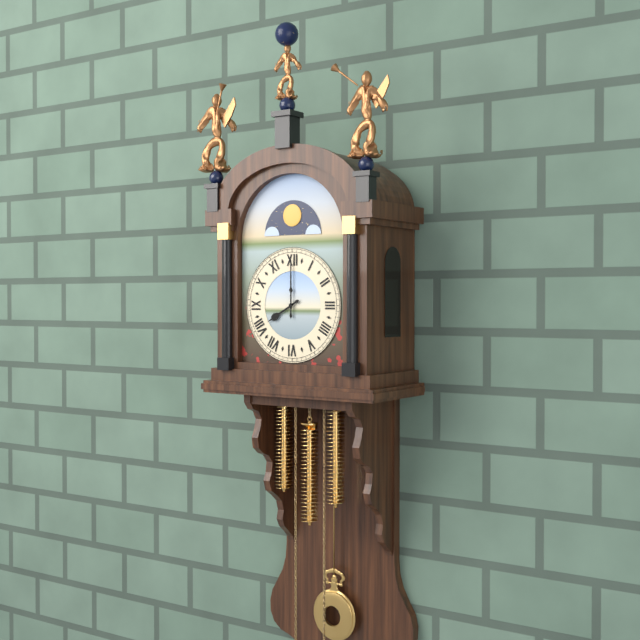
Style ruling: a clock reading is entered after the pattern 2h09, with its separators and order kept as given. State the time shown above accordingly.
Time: 8h00
